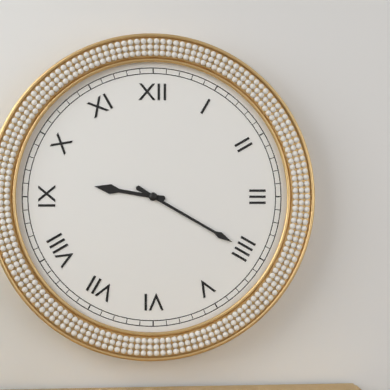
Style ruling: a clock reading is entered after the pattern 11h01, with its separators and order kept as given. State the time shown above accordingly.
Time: 9h20
